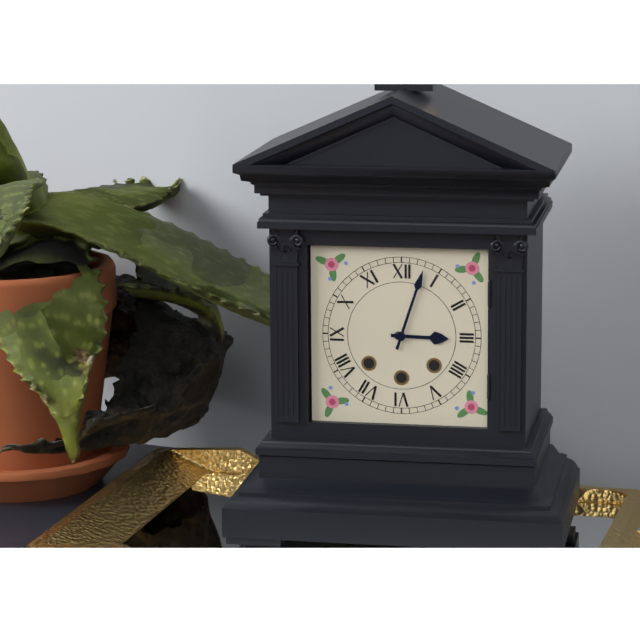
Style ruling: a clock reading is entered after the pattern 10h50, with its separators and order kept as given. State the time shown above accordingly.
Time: 3h03
